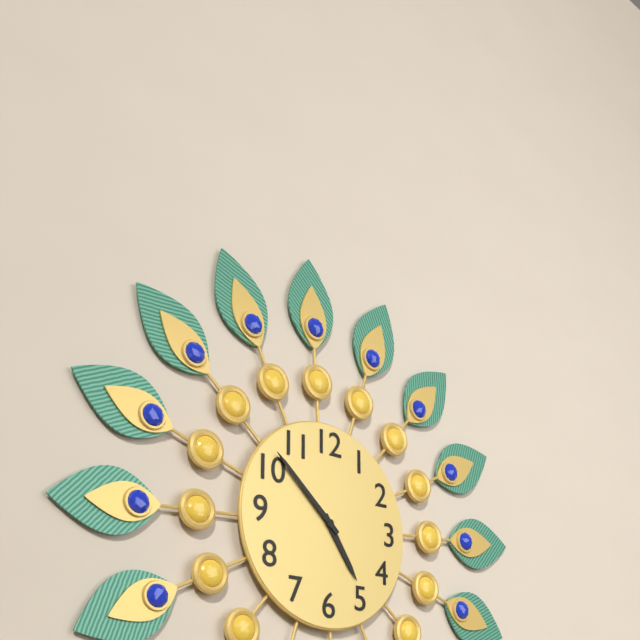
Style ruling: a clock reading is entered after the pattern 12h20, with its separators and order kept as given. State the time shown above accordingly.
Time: 4h52
